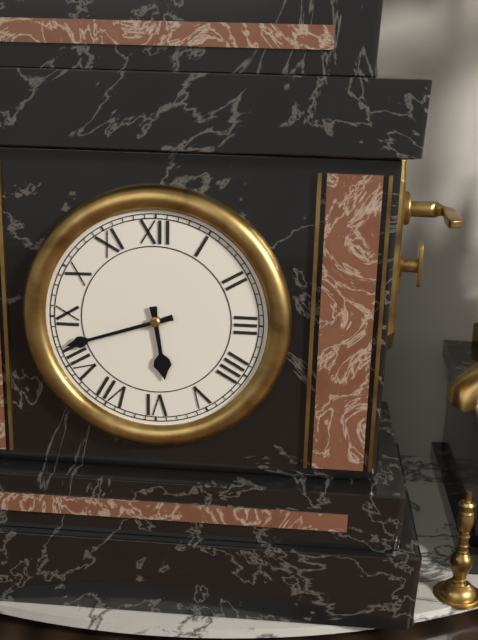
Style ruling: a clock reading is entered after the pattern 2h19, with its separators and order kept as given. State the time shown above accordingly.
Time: 5h42
